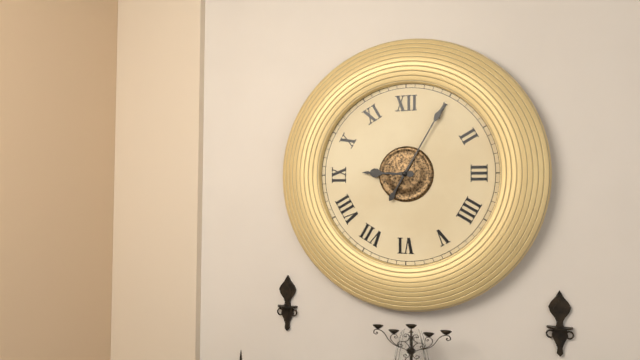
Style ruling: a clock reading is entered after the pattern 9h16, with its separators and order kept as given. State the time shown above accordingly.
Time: 9h05
